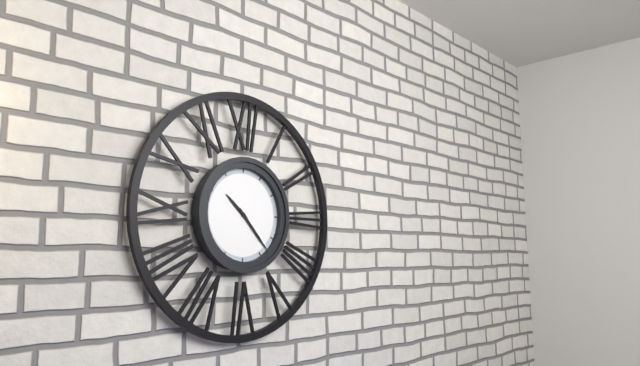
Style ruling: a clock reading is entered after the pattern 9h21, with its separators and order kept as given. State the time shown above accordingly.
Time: 10h23
